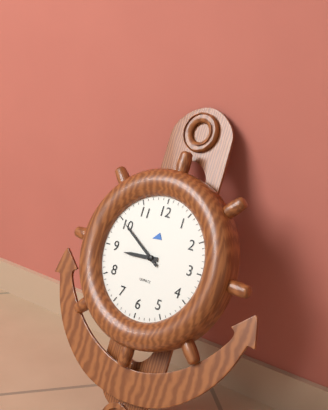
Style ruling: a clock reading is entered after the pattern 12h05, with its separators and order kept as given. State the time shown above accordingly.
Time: 8h50
